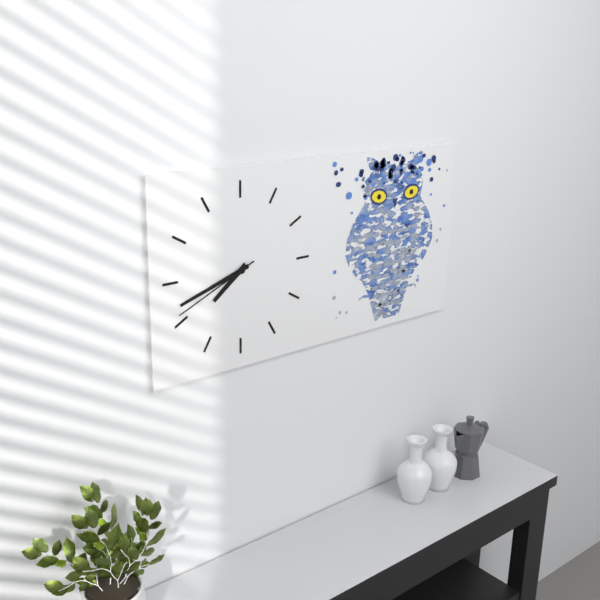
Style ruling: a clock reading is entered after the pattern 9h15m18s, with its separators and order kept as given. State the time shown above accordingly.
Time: 7h42m41s
